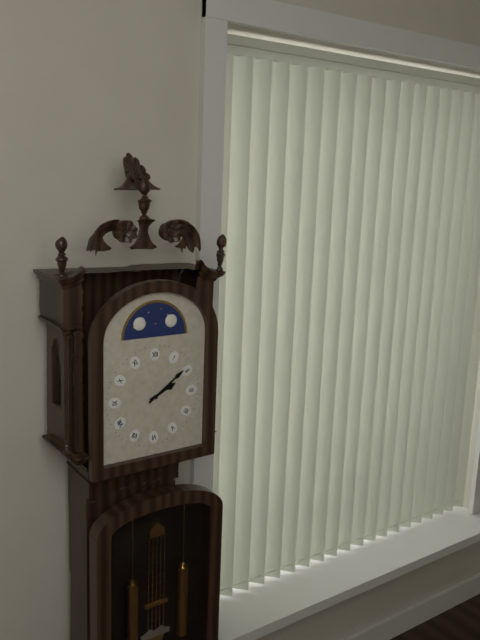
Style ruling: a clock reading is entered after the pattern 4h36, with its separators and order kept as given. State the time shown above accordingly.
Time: 2h09
